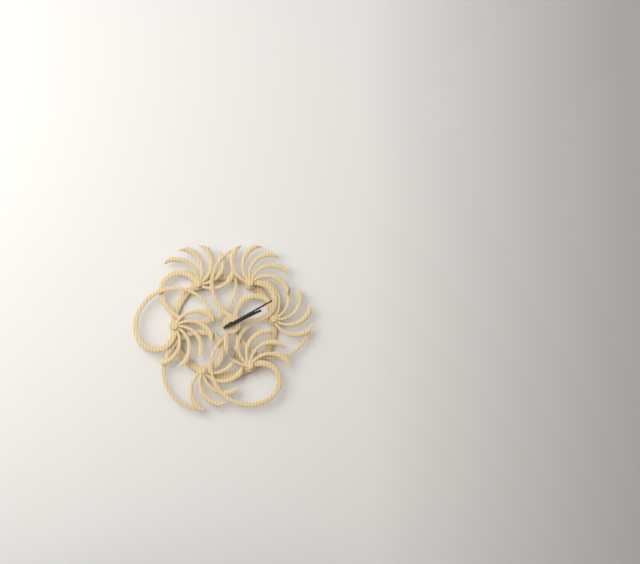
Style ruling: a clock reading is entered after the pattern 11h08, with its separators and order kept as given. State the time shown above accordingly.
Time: 2h10
